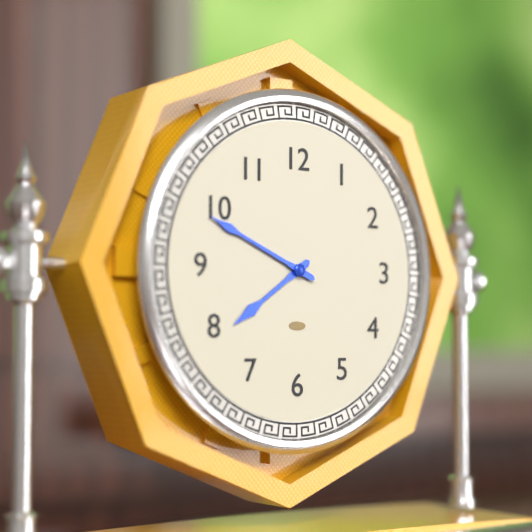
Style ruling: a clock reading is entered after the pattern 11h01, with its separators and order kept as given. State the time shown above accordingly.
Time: 7h49
